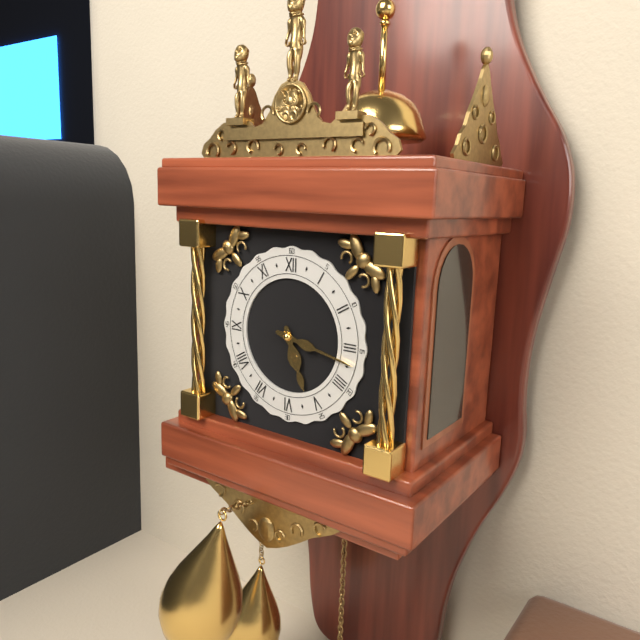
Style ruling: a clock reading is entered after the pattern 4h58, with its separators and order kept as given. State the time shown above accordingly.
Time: 5h17
